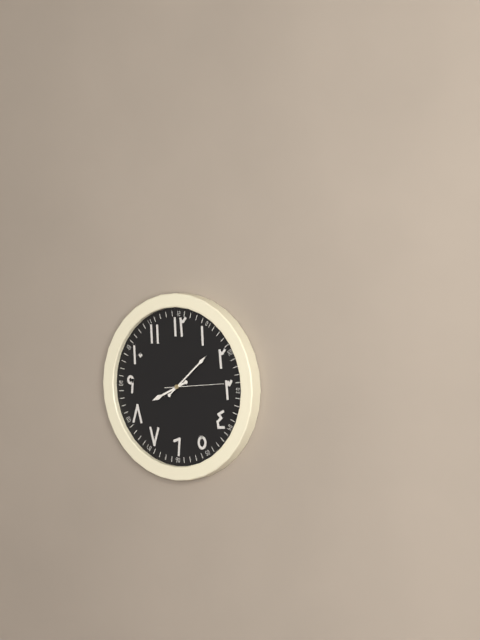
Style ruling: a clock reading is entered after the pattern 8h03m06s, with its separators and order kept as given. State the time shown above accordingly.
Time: 8h08m14s
